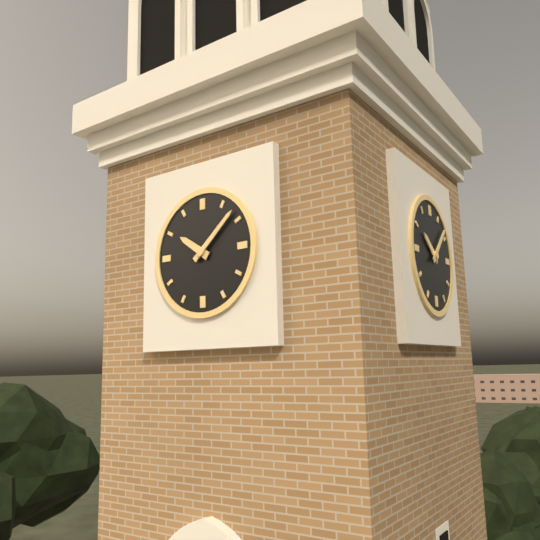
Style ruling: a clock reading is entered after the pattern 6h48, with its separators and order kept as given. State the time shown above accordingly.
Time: 10h08
